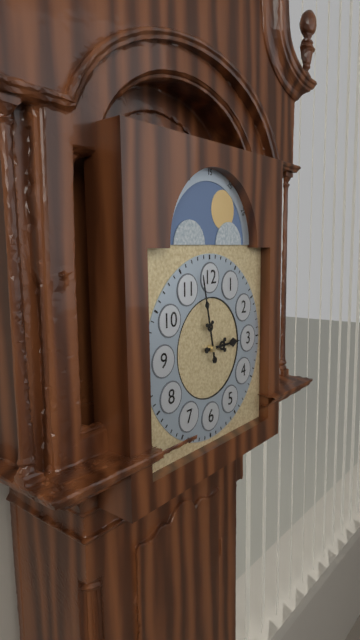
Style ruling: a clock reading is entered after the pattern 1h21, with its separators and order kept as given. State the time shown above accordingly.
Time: 2h58
